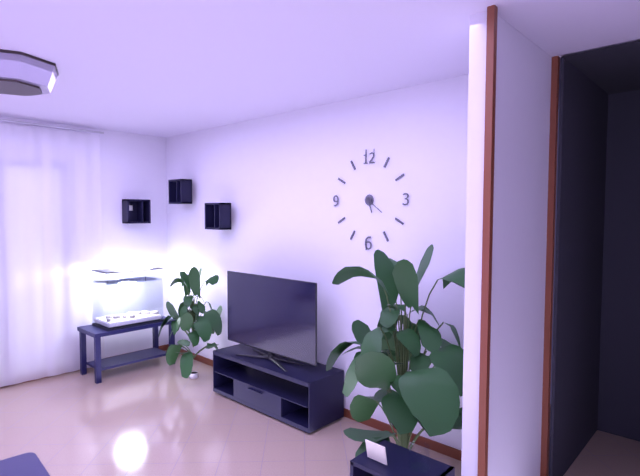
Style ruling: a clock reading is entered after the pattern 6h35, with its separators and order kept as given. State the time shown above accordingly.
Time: 5h21
